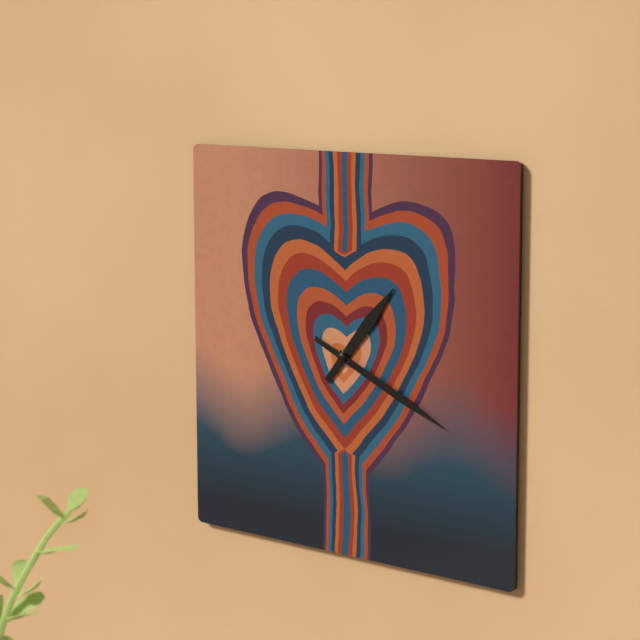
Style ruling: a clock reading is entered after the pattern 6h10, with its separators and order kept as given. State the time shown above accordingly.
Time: 1h19
